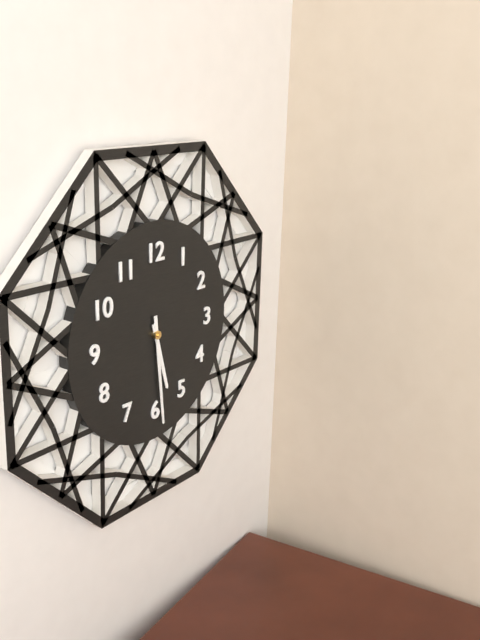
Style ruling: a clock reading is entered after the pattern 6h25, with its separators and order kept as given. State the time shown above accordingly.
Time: 5h29
